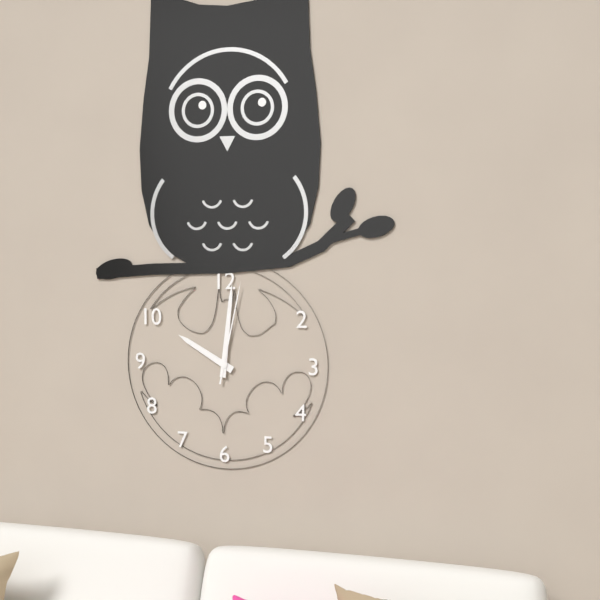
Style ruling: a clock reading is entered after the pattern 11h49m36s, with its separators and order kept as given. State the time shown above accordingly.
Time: 10h01m02s
